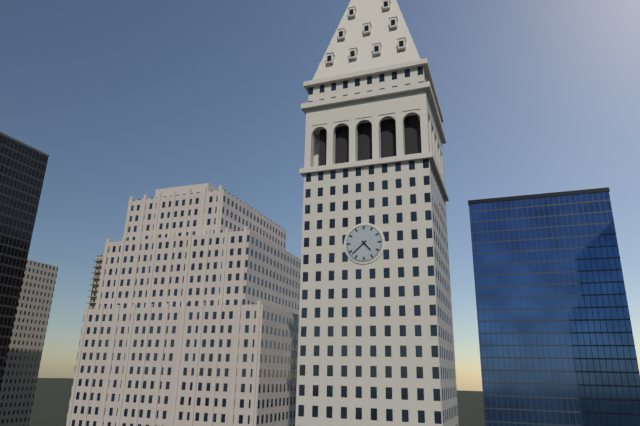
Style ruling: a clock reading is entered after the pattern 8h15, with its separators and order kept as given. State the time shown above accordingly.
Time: 4h38
